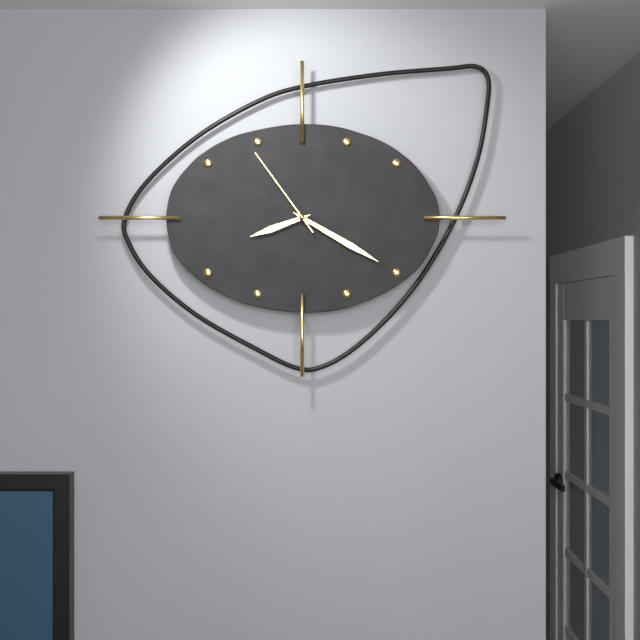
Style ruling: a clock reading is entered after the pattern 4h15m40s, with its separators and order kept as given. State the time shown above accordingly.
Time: 8h20m54s
